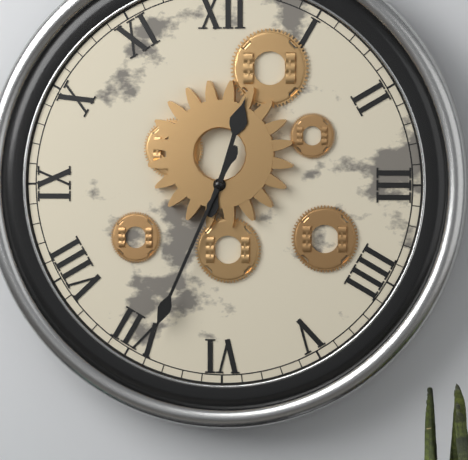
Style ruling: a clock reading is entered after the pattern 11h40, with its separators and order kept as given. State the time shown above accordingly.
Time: 12h34
